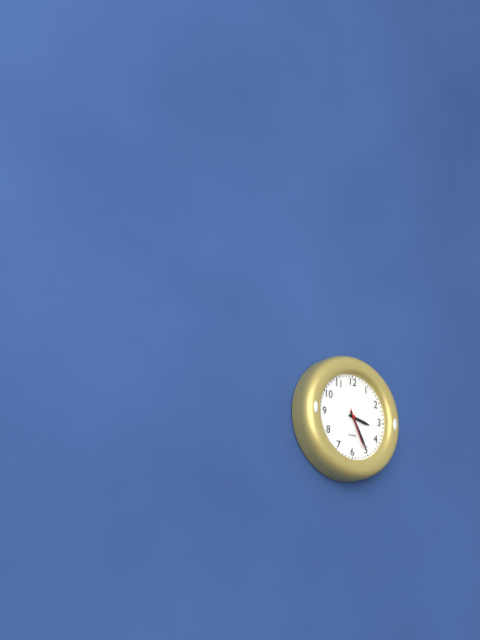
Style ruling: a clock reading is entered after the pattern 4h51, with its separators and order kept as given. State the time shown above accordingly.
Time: 3h25
